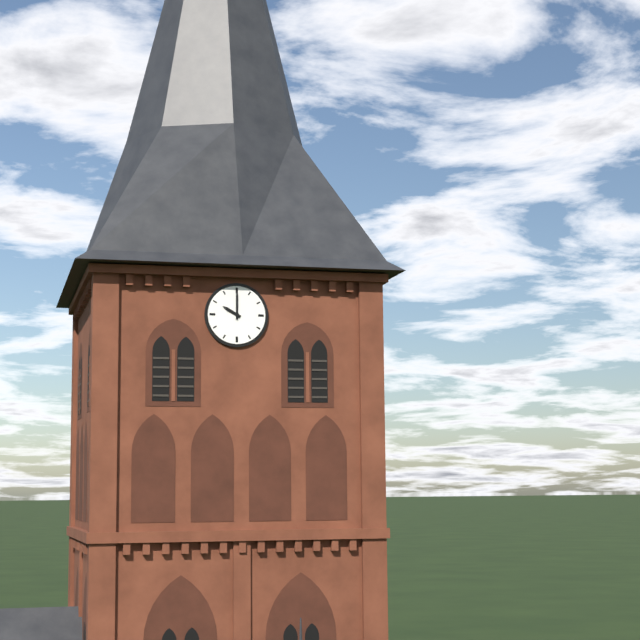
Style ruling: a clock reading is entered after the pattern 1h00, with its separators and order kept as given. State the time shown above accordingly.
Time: 10h00
